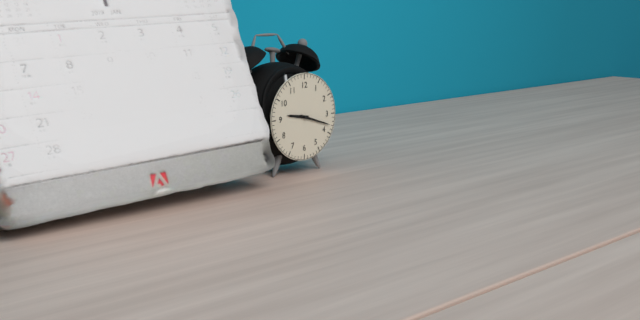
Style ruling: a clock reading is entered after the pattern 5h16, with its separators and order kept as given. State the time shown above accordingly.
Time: 9h18
